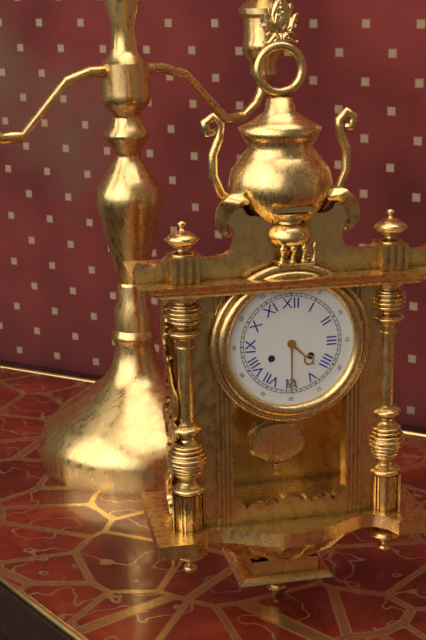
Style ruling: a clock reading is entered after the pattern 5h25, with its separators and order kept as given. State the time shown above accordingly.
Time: 4h30
